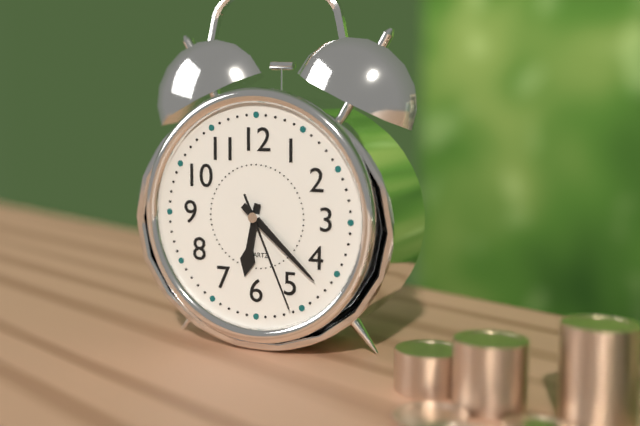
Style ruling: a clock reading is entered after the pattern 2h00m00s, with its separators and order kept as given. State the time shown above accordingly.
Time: 6h22m26s
